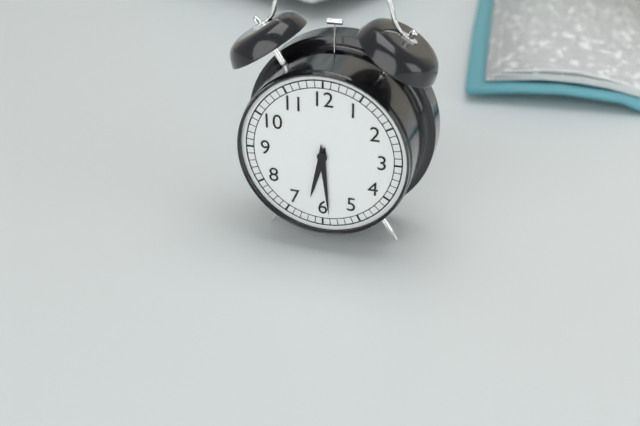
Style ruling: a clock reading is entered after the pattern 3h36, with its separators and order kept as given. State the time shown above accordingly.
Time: 6h29
